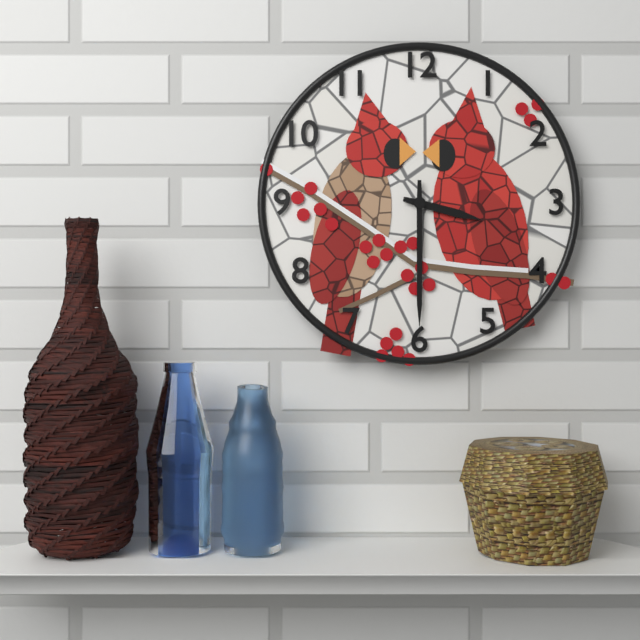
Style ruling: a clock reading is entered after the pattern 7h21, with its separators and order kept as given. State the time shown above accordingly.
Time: 3h30
